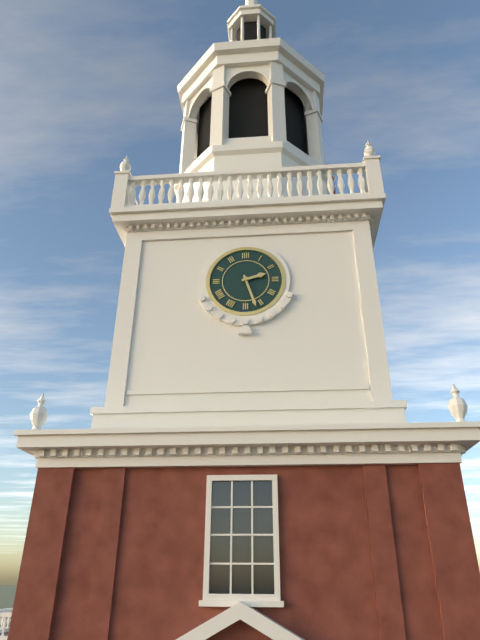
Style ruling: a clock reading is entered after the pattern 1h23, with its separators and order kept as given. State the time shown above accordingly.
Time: 2h27
